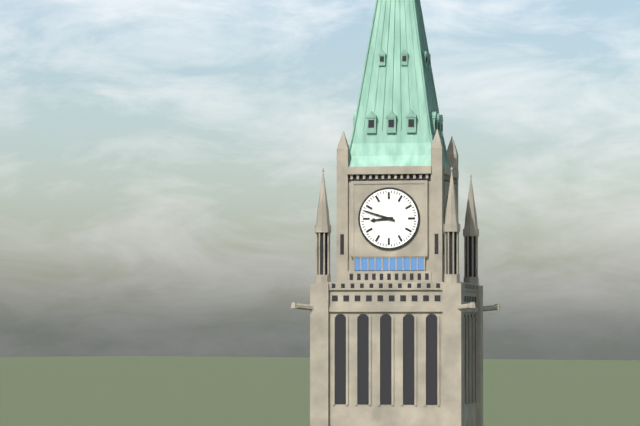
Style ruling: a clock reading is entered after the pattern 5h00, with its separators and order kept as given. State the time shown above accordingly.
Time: 8h48
